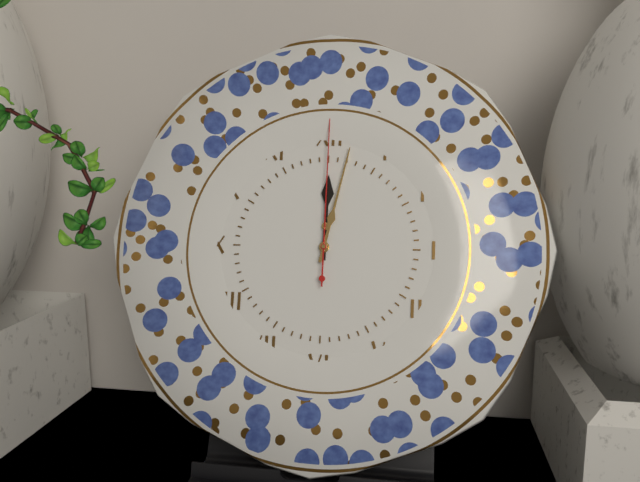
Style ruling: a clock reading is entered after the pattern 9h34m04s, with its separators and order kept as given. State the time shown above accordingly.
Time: 12h02m00s
